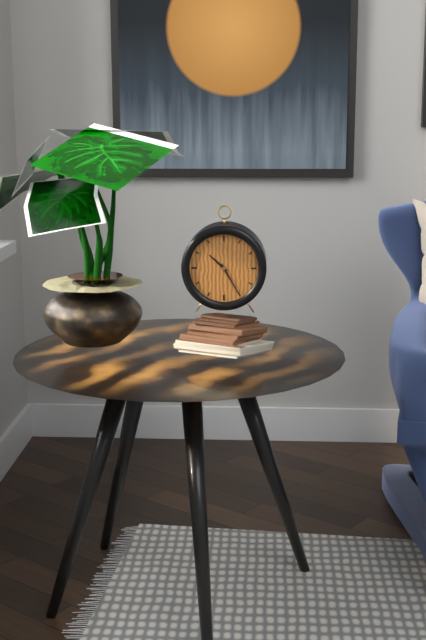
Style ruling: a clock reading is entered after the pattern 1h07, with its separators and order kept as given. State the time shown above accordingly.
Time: 10h25
